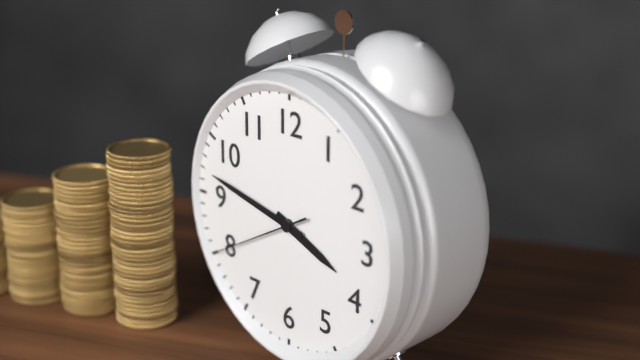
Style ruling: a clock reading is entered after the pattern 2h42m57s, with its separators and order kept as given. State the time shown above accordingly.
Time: 3h47m40s
